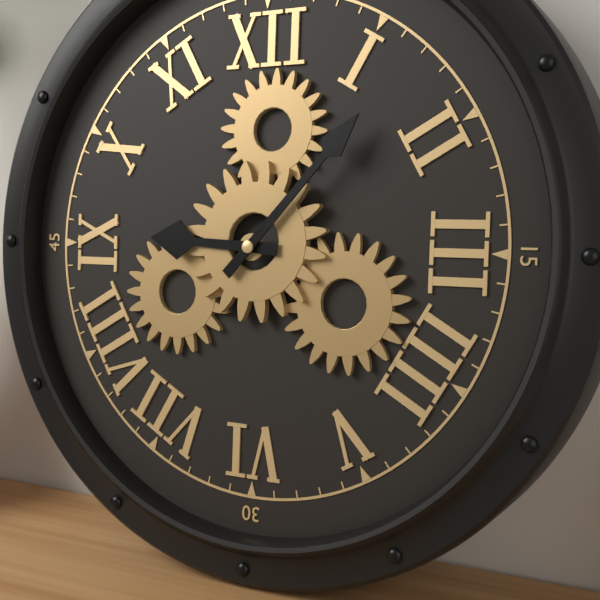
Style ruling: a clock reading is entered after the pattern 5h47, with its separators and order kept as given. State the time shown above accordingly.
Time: 9h07
